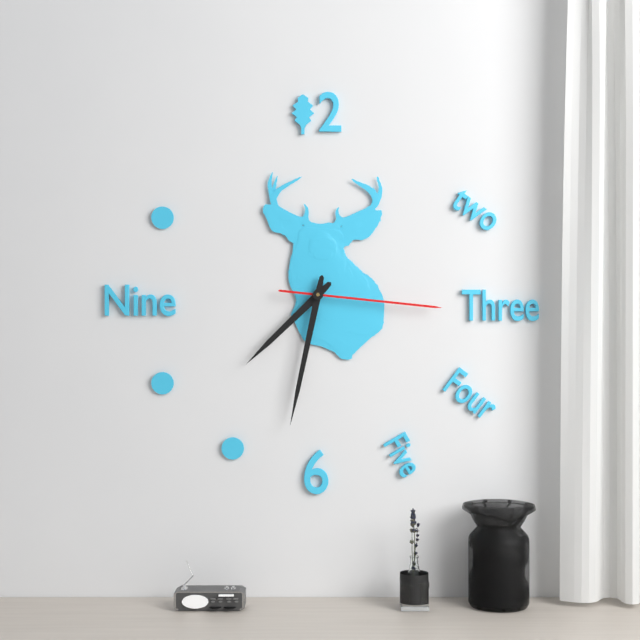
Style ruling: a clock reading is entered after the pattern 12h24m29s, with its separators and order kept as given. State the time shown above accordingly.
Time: 7h32m16s
